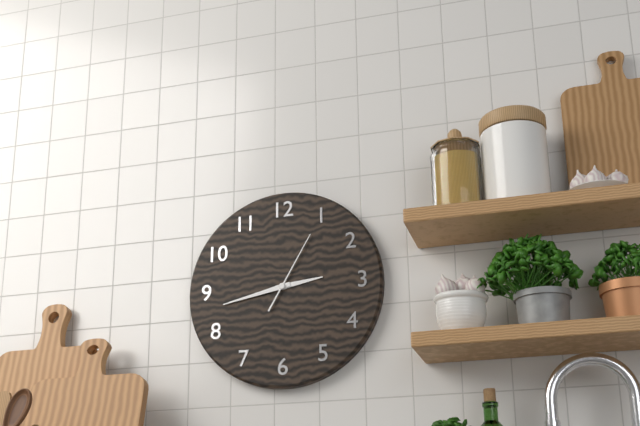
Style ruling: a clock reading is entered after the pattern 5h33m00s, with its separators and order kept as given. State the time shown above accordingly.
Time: 2h43m05s
